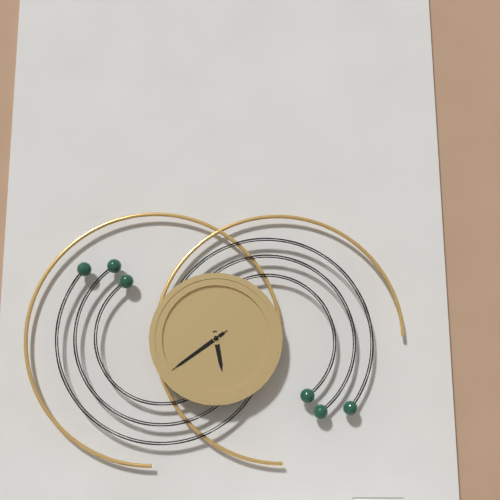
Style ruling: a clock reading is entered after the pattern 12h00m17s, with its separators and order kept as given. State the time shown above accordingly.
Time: 5h39m39s
